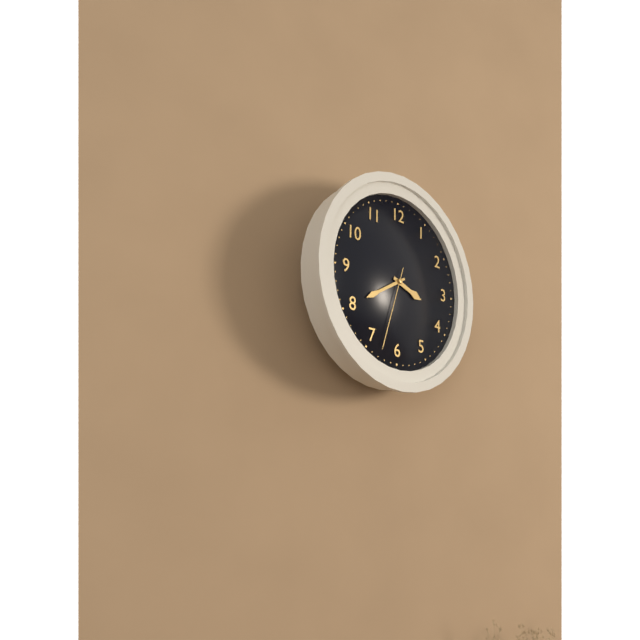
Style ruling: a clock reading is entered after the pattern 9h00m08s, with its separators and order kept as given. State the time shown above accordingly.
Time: 3h40m33s
